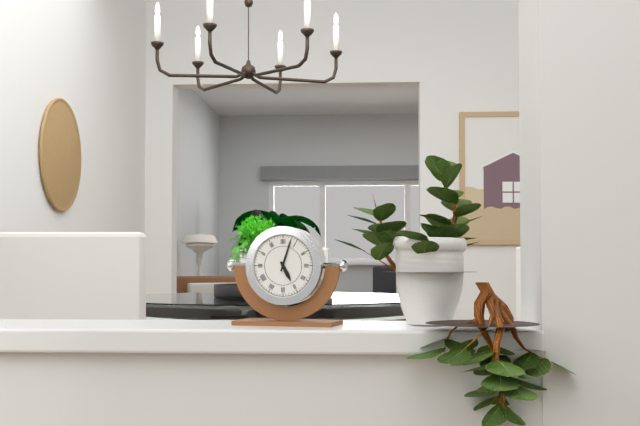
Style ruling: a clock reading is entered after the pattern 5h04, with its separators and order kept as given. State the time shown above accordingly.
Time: 5h03
